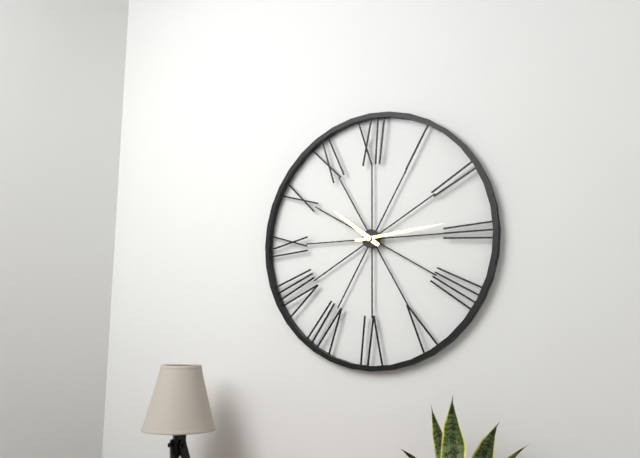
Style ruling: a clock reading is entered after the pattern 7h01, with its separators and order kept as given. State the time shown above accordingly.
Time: 10h14
